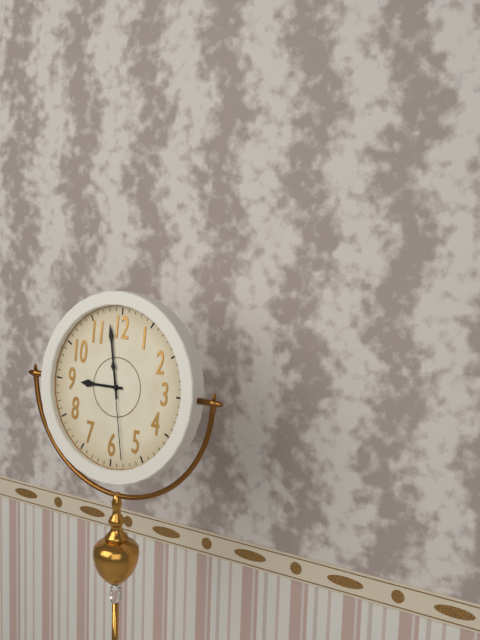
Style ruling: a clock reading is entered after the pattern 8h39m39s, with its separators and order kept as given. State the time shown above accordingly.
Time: 8h58m28s
